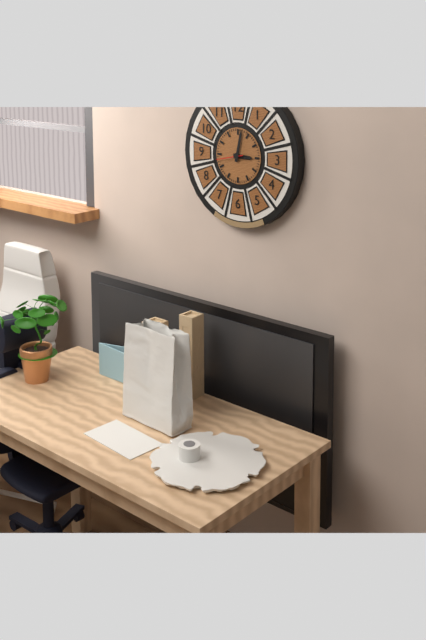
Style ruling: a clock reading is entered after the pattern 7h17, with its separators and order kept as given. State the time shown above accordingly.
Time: 3h02
